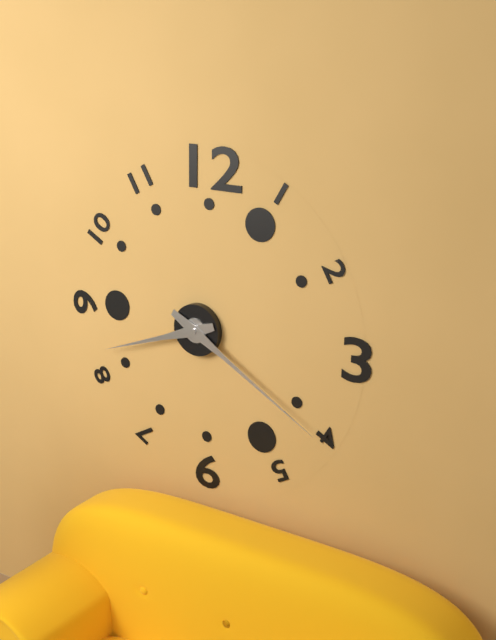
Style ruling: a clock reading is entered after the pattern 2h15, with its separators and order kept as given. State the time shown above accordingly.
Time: 8h20
